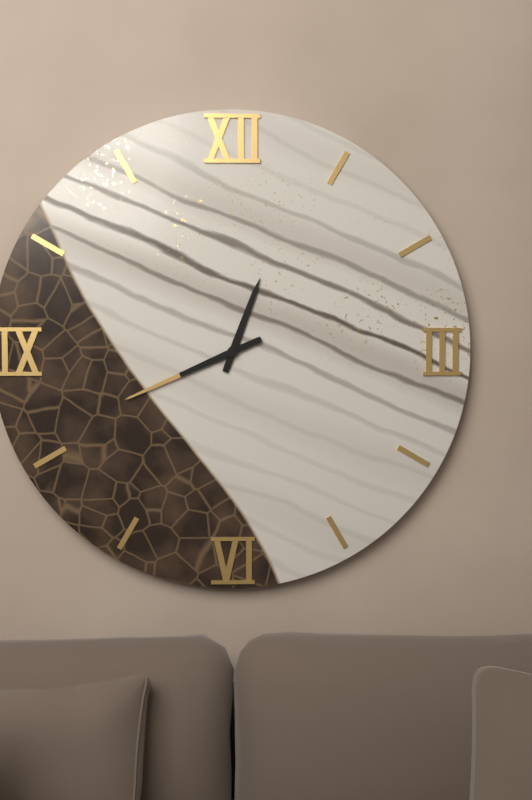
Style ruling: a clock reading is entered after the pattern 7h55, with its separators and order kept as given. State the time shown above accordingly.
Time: 12h41
